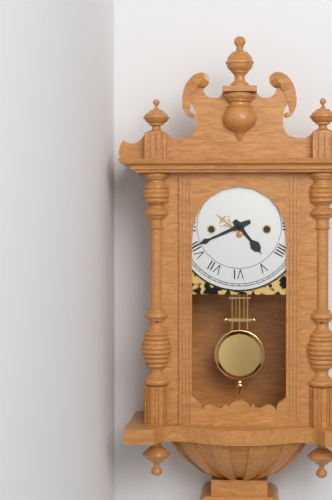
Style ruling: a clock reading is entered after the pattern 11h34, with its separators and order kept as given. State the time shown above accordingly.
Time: 4h41
